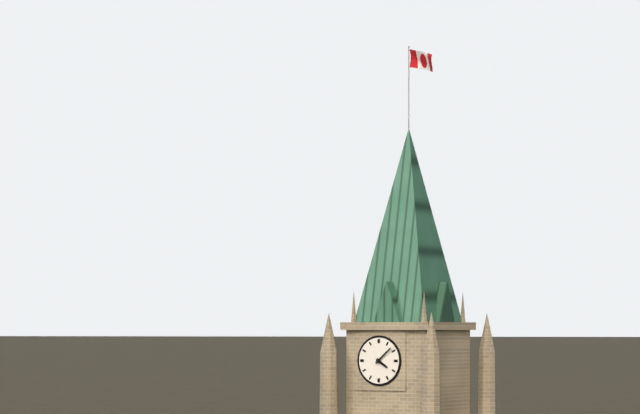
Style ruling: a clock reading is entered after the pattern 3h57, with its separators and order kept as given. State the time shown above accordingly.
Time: 4h08
